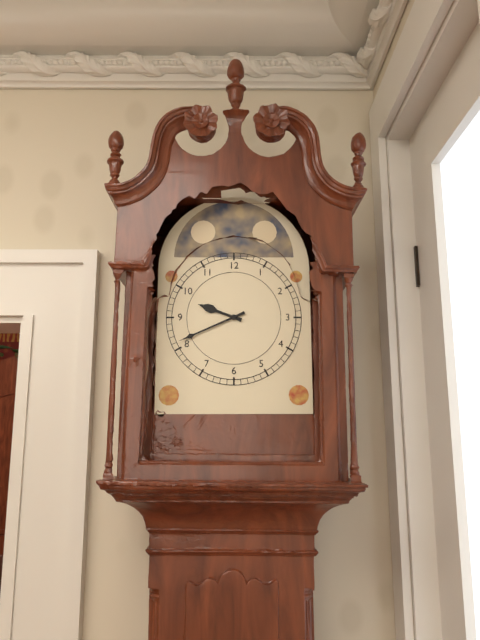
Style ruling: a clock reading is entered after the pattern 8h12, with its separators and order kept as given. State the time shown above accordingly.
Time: 9h41
